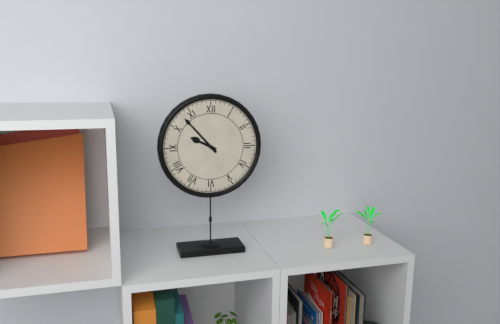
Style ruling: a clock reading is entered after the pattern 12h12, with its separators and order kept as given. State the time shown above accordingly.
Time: 9h53
